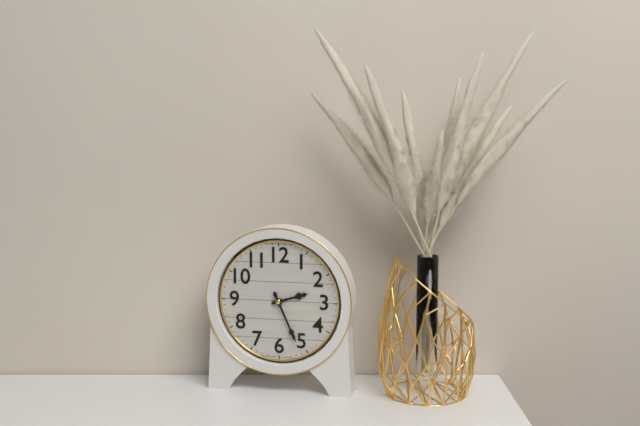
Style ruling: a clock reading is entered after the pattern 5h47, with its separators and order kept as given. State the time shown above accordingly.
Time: 2h26
